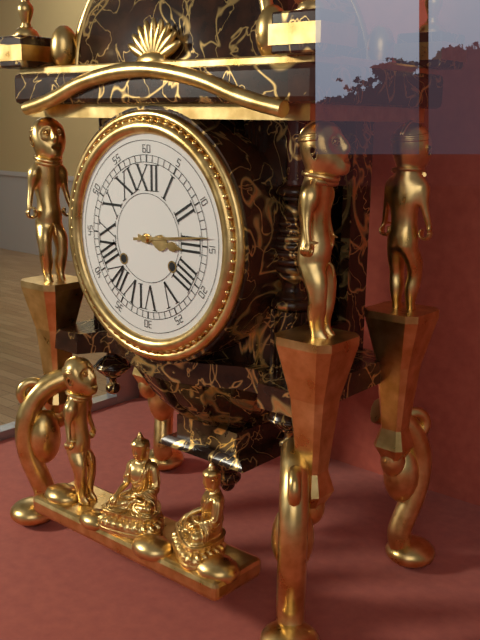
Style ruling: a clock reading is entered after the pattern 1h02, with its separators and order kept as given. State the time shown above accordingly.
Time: 3h14
